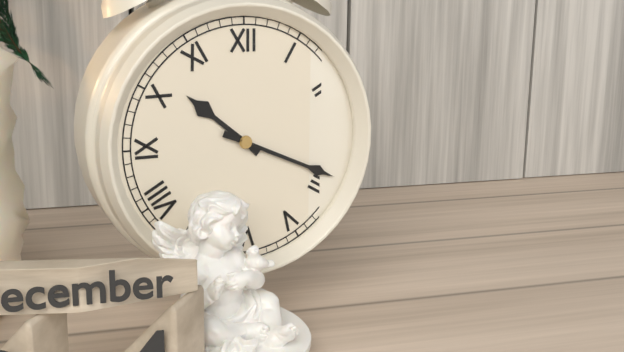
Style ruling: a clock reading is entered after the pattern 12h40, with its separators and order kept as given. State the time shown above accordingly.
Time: 10h19
